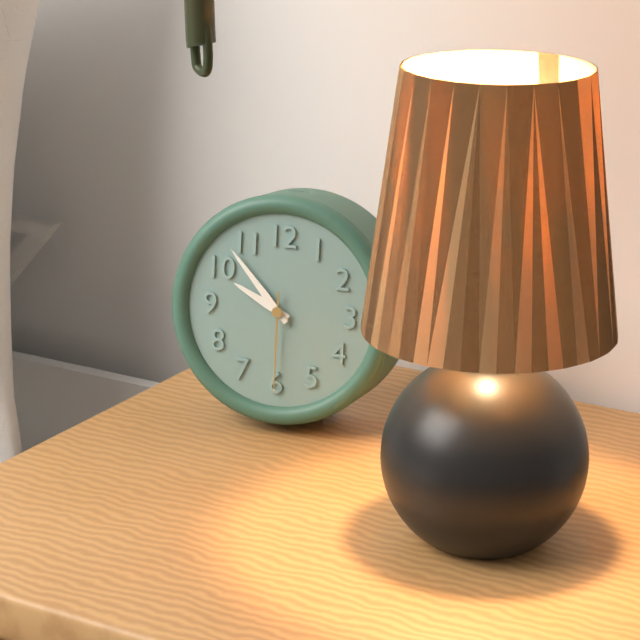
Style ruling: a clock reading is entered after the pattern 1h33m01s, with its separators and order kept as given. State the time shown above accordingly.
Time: 9h53m30s
